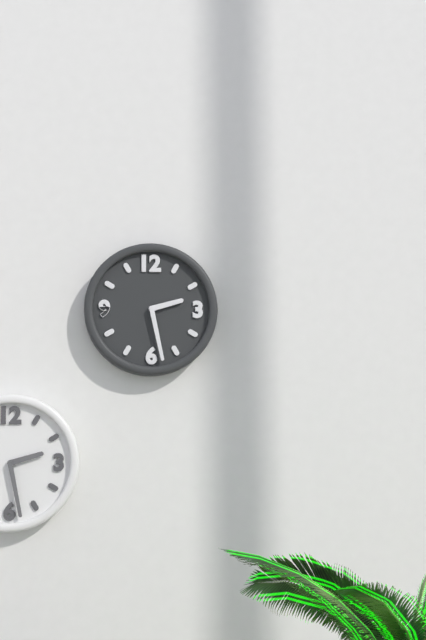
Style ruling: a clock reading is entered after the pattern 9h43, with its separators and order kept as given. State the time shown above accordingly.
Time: 2h28
